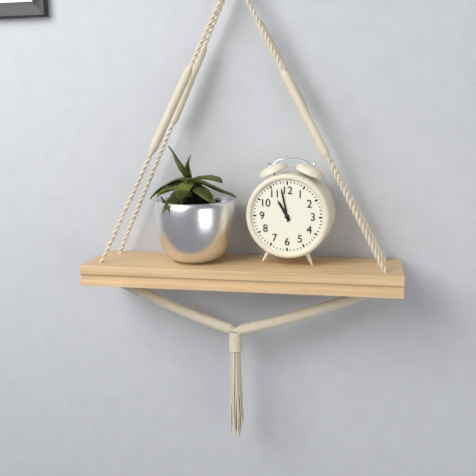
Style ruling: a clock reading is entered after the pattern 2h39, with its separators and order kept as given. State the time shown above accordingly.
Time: 10h58
